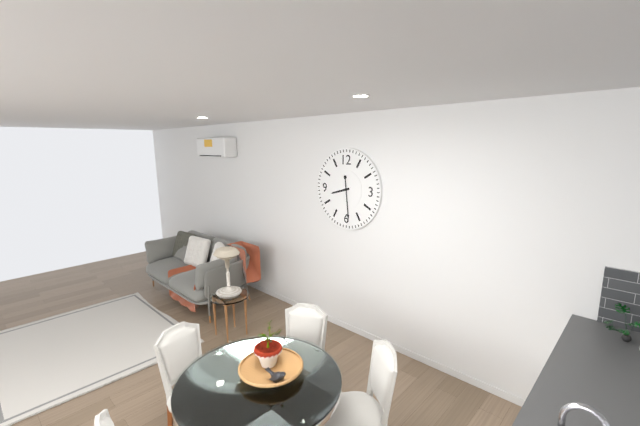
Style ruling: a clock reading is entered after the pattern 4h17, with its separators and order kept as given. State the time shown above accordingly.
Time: 8h29
